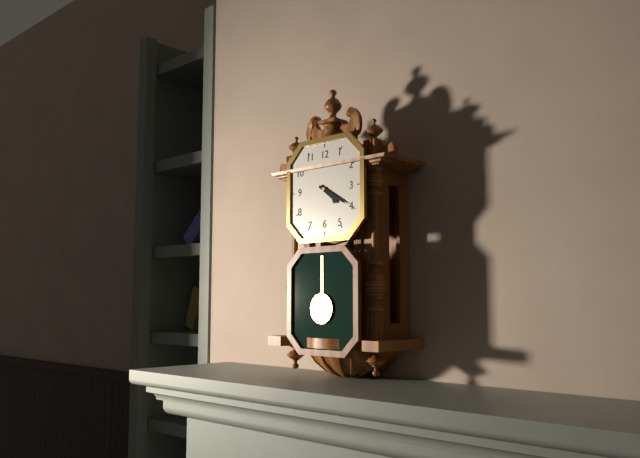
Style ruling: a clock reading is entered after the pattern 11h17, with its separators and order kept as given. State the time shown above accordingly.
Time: 4h20
